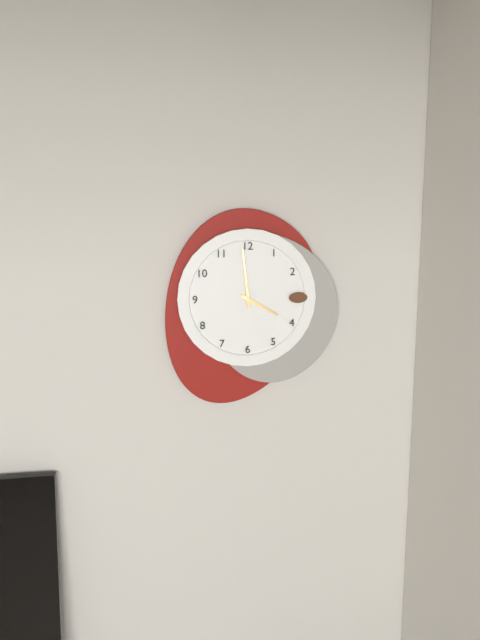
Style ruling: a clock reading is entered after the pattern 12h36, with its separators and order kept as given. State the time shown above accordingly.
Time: 3h59
